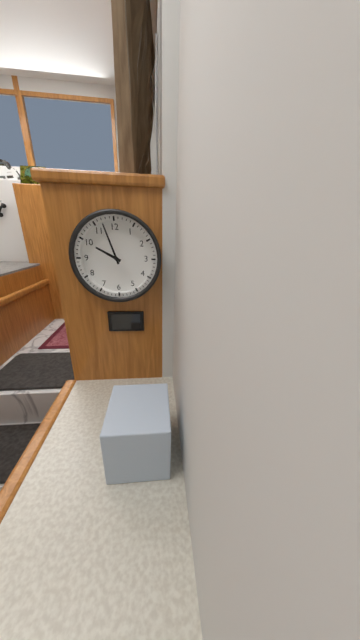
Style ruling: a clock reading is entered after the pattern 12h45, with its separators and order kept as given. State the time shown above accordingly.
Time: 9h57
